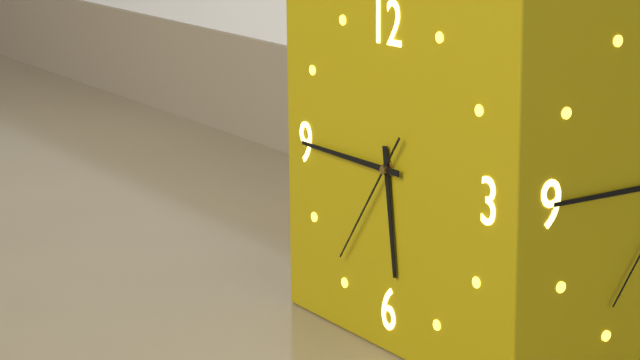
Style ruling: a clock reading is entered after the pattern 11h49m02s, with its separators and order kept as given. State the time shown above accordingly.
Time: 5h45m36s
